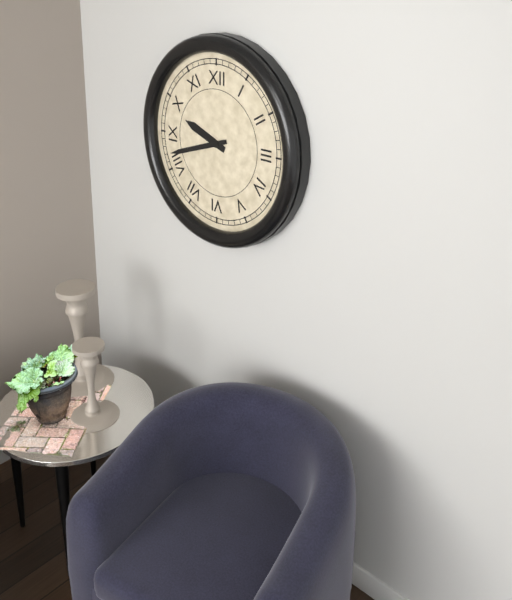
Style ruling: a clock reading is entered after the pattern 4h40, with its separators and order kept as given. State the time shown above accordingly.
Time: 9h42
